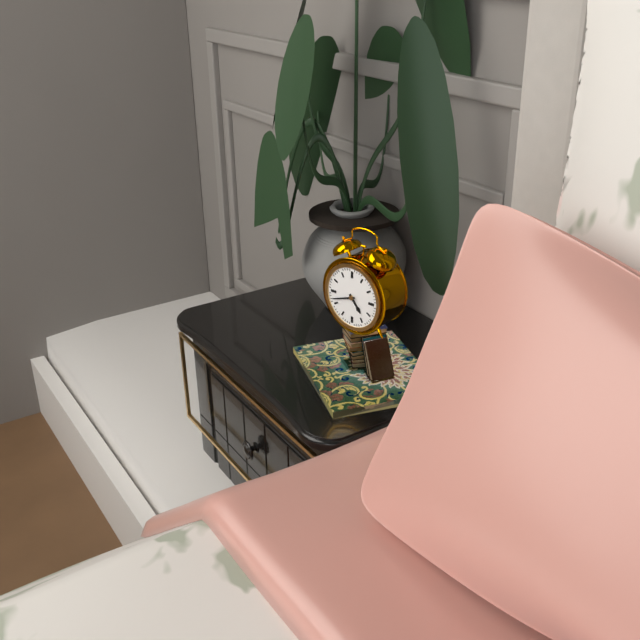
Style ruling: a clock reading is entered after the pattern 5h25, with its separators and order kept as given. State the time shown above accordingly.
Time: 4h42
